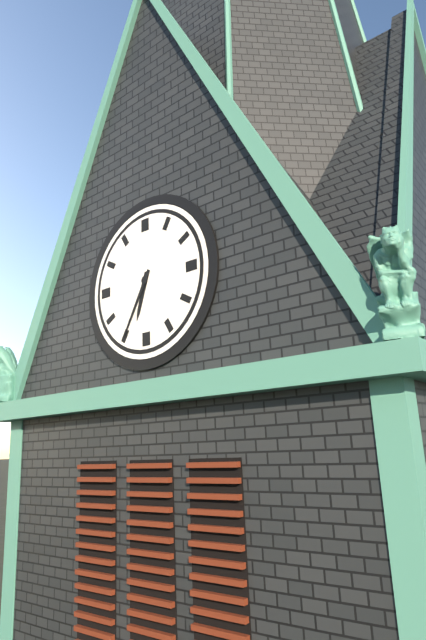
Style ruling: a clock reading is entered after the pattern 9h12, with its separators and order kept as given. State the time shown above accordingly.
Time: 6h35
